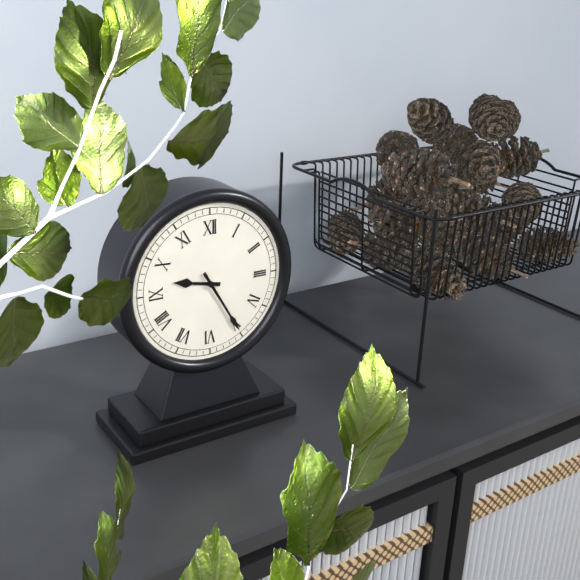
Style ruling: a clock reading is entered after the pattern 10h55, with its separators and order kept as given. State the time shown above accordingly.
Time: 9h25
